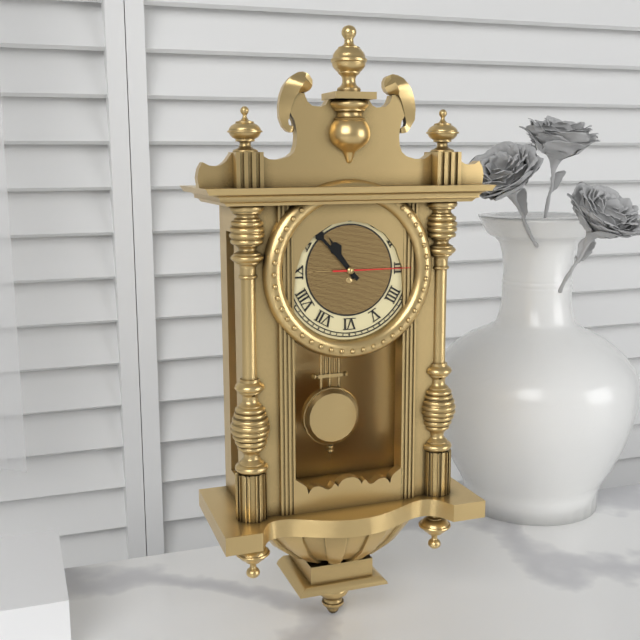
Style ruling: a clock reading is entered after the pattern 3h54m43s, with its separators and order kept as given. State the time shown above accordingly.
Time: 10h53m15s
